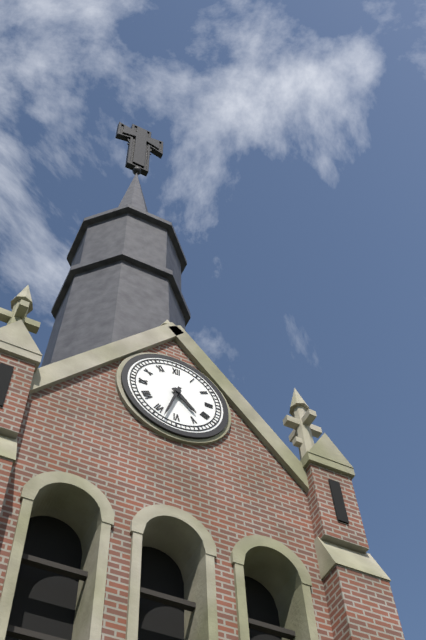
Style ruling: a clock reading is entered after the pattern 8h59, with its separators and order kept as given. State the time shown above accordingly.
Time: 4h33
